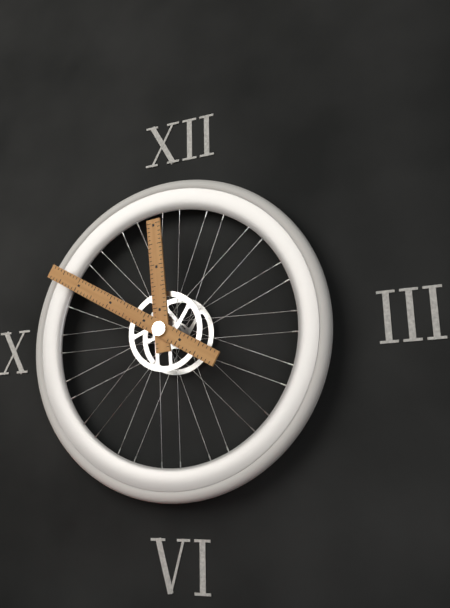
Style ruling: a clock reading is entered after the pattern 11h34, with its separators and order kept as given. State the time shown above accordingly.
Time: 11h50
